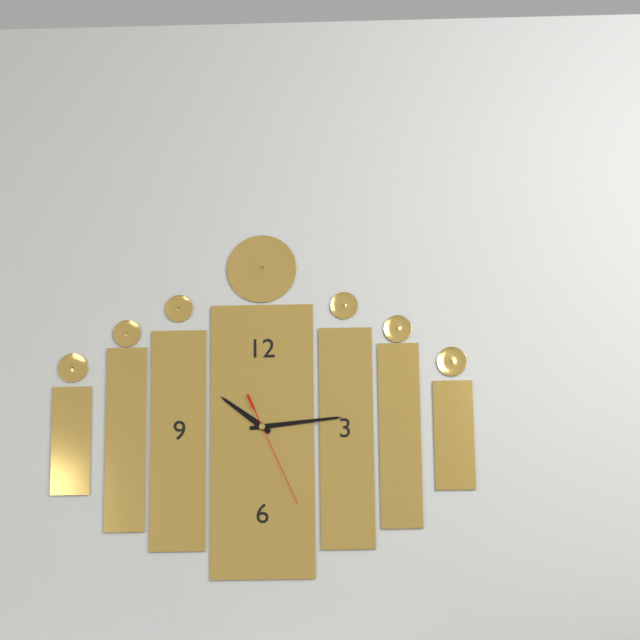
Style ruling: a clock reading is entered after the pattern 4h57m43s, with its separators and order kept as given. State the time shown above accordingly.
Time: 10h14m26s
